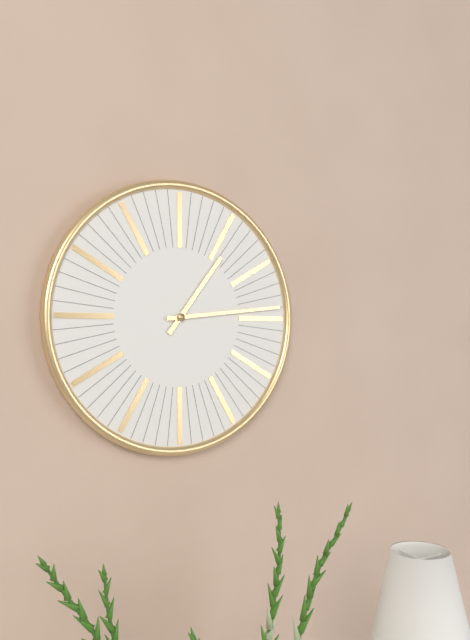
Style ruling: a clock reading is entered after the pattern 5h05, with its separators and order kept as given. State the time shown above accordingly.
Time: 1h14
